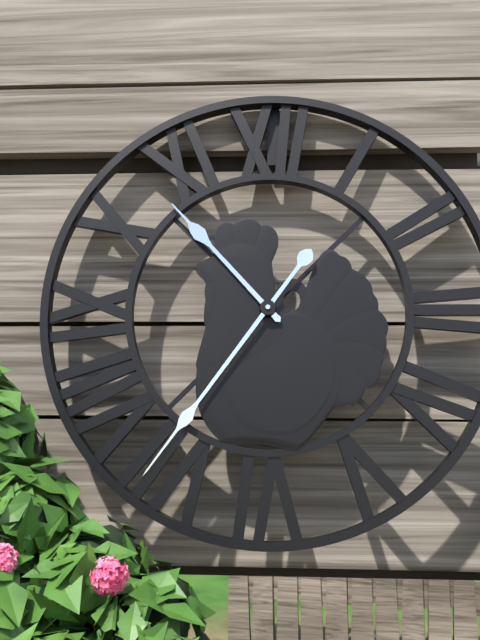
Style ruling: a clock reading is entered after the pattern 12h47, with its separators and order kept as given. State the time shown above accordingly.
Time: 10h36
